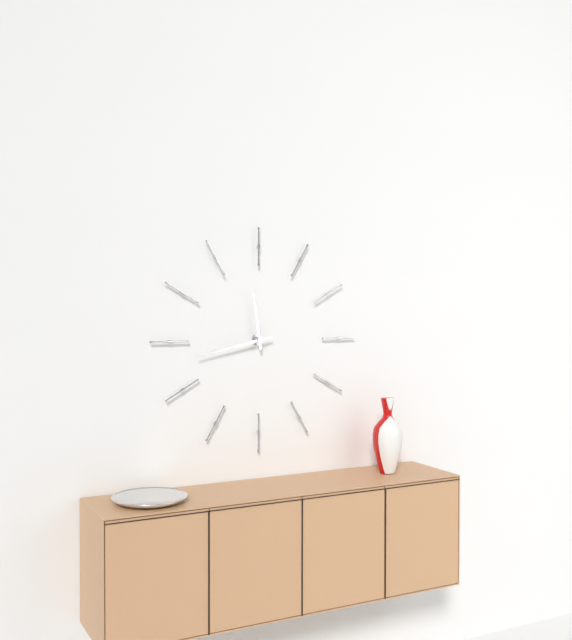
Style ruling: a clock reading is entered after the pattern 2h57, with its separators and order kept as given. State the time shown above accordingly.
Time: 11h43
